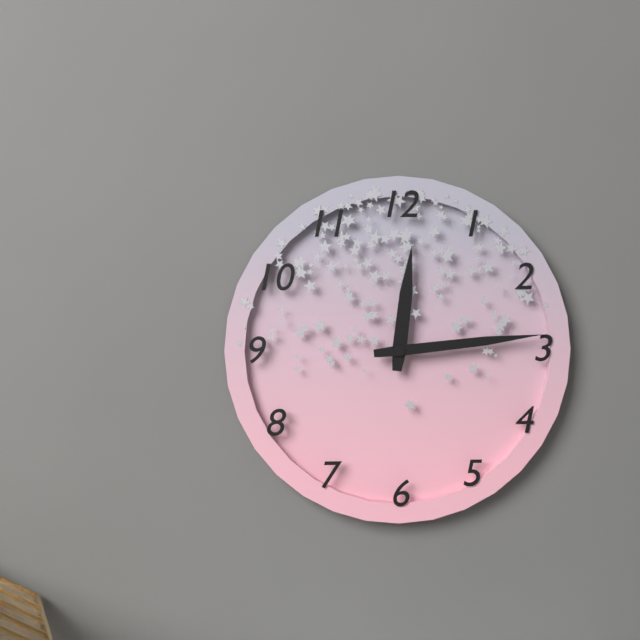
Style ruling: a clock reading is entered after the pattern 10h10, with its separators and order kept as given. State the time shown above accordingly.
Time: 12h14
